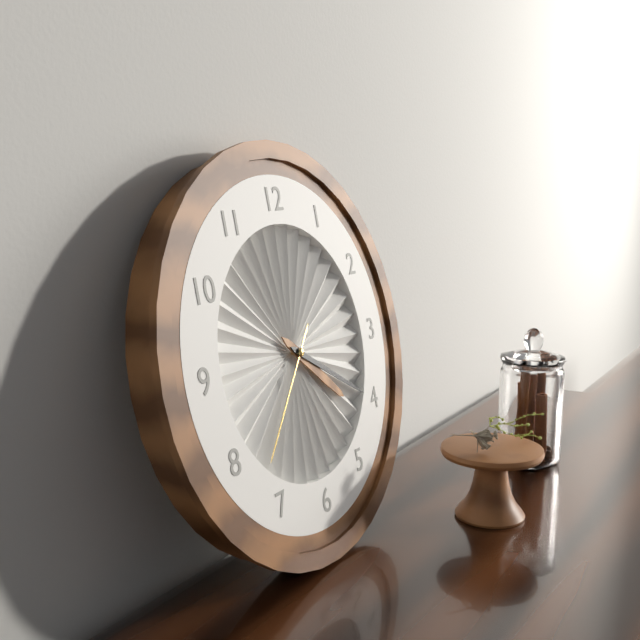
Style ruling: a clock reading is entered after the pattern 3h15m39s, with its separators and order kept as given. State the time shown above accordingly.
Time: 4h20m37s
